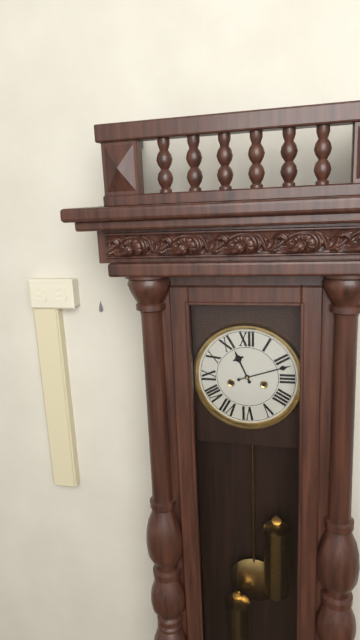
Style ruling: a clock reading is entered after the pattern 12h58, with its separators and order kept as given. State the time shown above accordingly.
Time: 11h12
